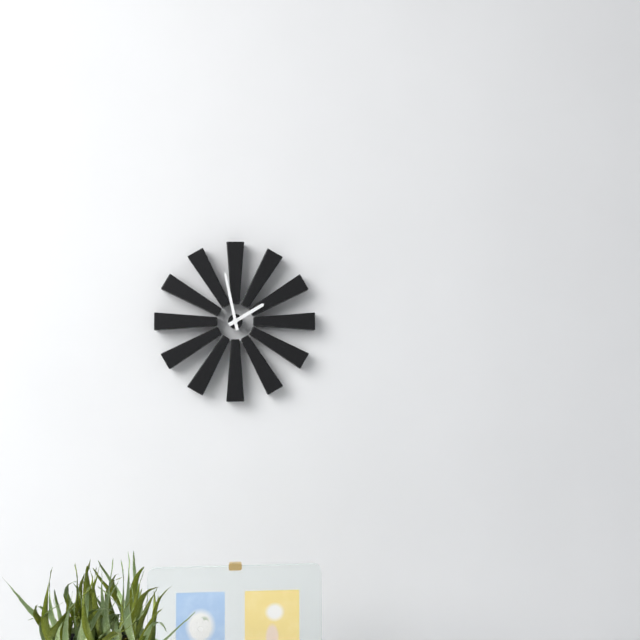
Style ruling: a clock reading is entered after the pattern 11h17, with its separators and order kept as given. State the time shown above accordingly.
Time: 1h58
